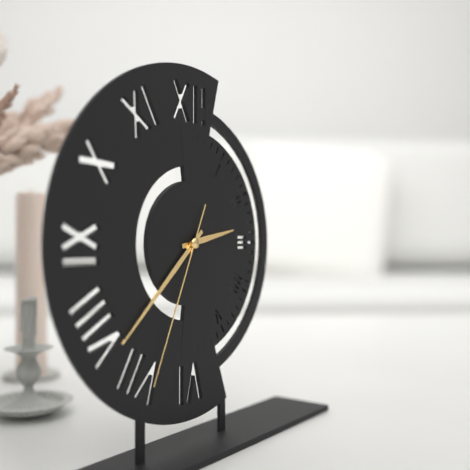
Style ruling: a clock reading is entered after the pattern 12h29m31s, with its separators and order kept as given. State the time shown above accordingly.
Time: 2h38m34s
